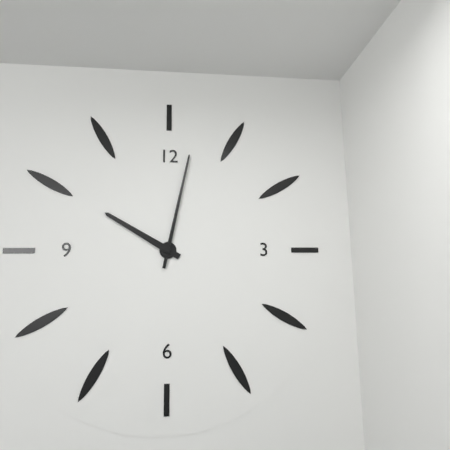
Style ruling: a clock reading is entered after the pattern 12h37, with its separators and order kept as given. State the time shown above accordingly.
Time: 10h02
